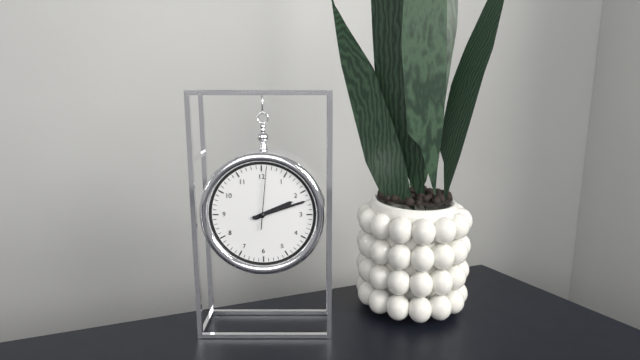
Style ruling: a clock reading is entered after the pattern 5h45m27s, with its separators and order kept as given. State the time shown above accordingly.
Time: 2h12m01s
